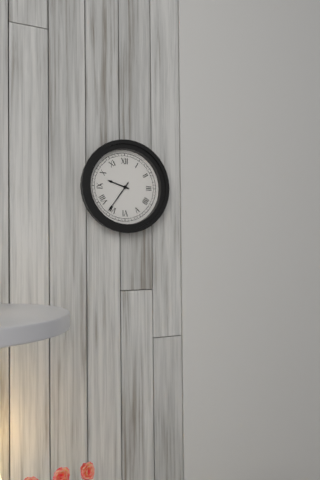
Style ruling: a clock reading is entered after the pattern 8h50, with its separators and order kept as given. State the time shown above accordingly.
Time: 9h36
